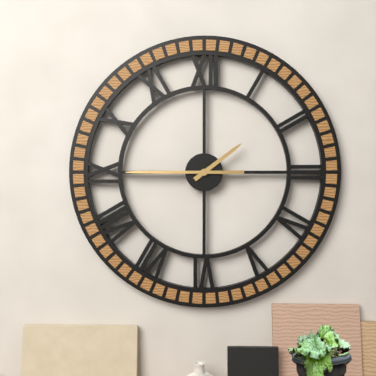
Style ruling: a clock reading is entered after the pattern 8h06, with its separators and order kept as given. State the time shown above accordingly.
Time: 1h45
